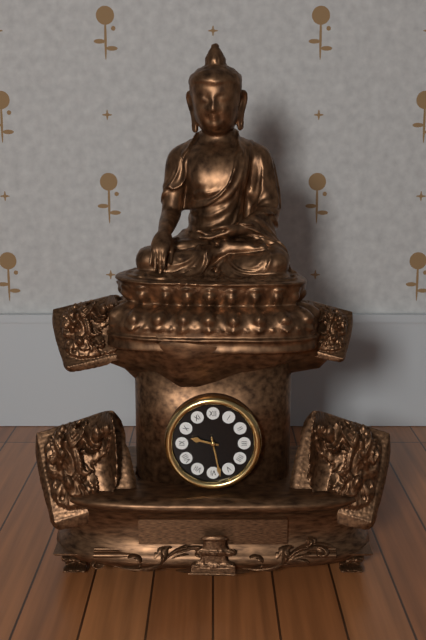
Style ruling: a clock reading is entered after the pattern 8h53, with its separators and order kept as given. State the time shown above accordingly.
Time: 9h28
